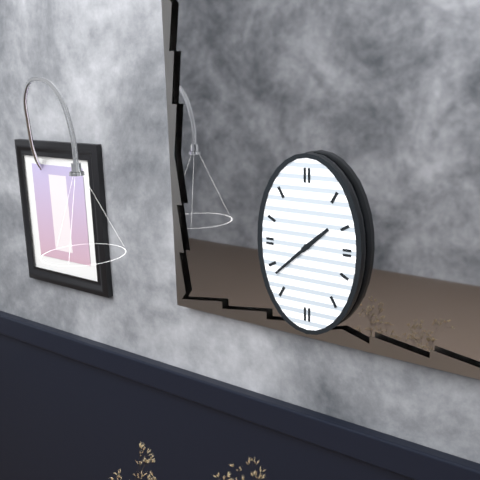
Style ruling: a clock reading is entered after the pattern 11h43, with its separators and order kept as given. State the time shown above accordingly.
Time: 1h38
